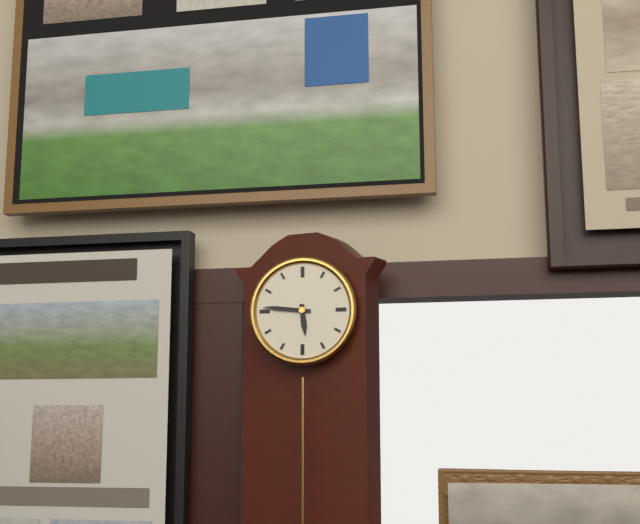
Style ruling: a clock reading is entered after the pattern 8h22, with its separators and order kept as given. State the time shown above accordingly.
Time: 5h46
